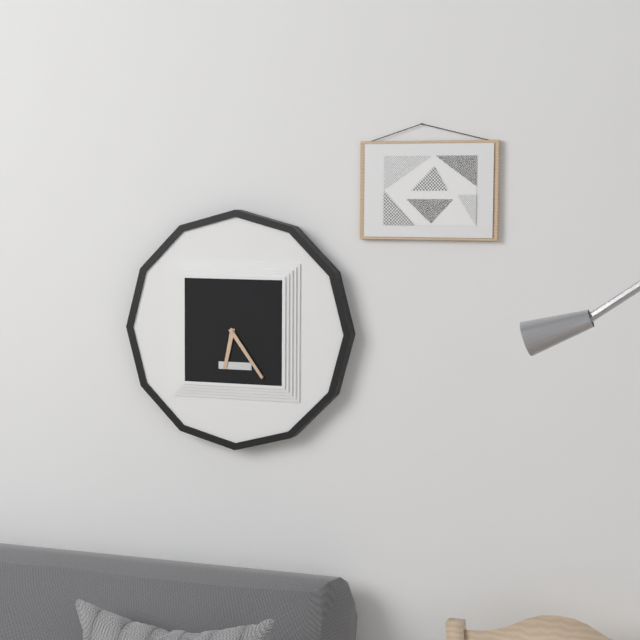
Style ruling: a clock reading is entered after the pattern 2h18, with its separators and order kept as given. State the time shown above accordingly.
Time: 6h24
